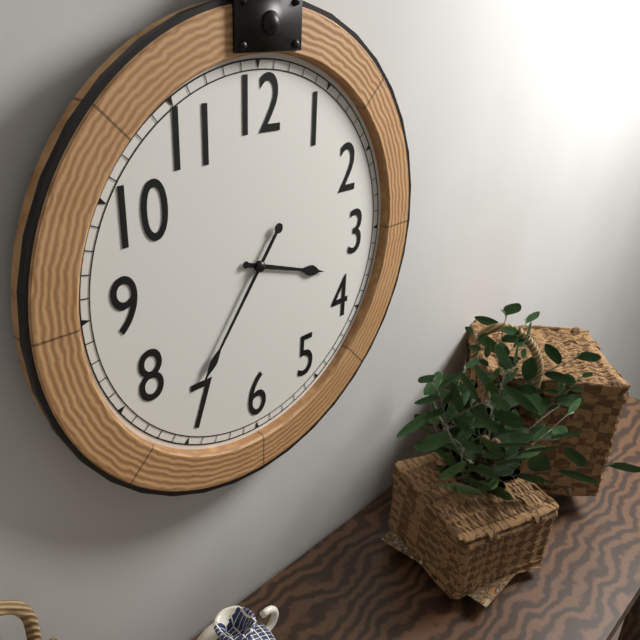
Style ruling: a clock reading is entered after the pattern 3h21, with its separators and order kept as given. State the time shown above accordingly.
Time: 3h36
